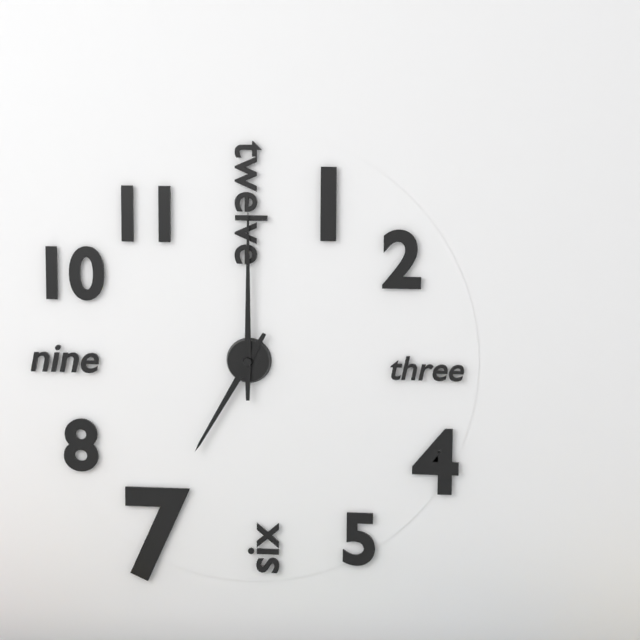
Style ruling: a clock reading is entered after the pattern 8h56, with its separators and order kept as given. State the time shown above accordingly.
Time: 7h00
